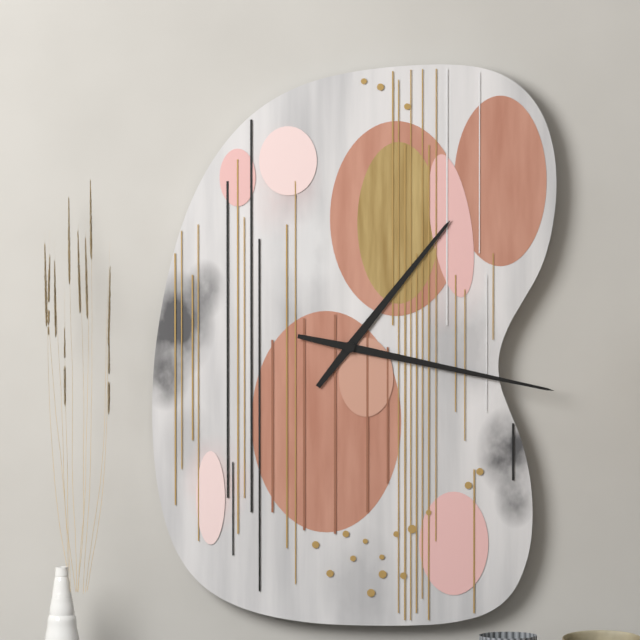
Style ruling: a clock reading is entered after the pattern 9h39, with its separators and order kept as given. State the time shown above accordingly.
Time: 1h17
